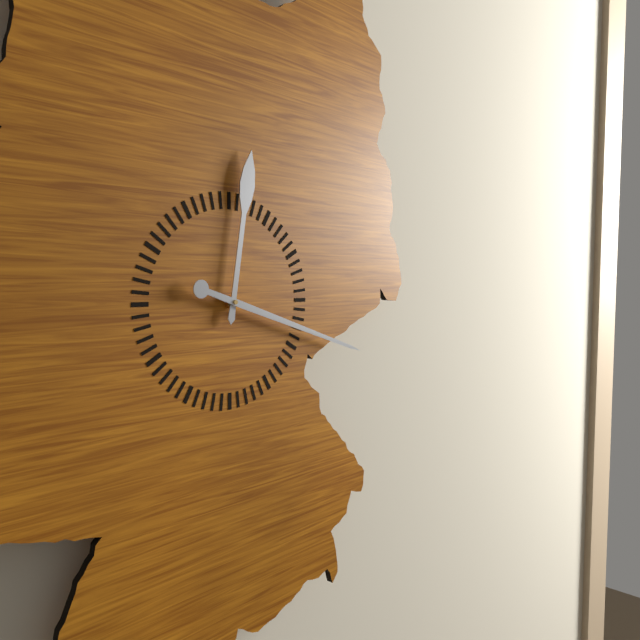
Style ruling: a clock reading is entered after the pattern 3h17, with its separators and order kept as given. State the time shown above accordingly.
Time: 12h18
